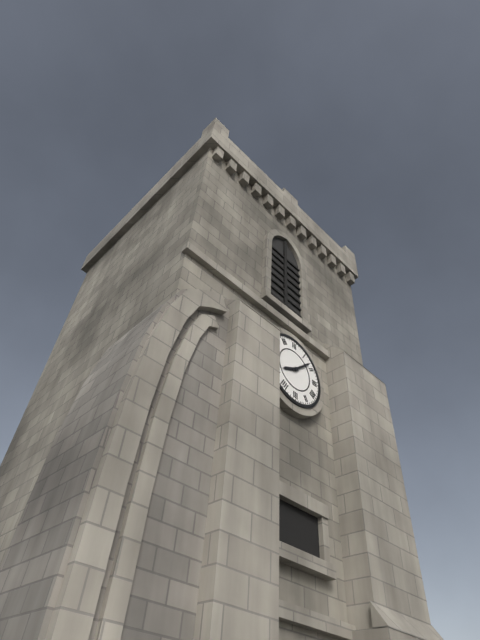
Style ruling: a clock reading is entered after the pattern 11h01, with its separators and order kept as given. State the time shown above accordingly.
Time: 8h08
